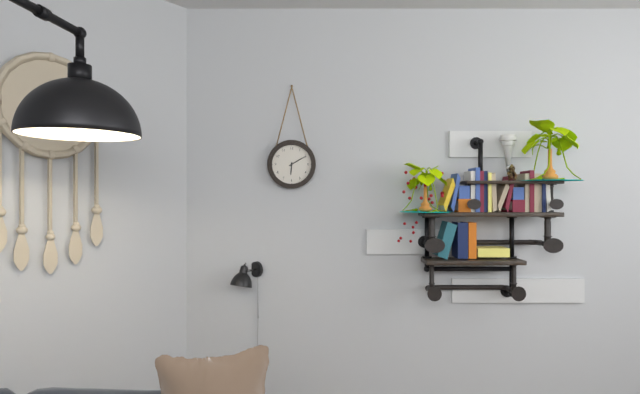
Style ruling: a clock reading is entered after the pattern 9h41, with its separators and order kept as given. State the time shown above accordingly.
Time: 6h10
